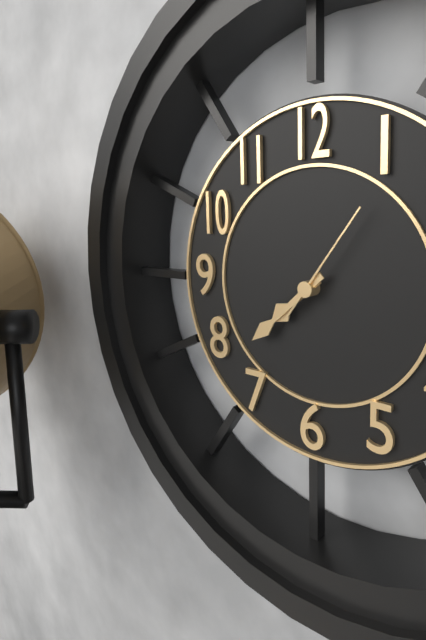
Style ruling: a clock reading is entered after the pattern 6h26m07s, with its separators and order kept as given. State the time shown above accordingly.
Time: 7h38m06s
